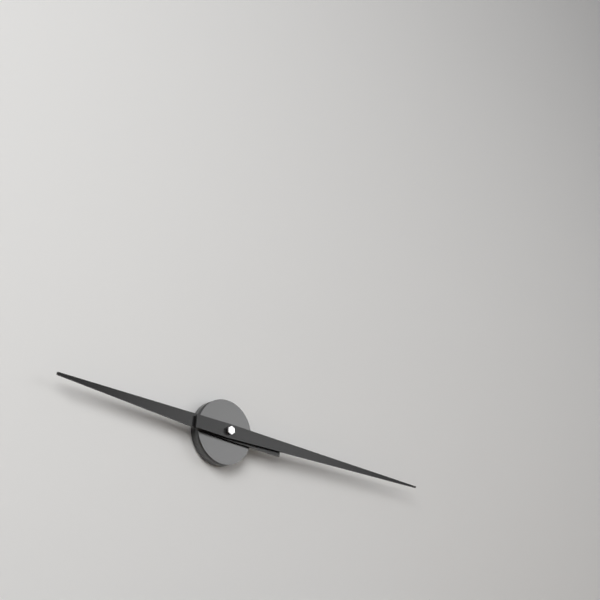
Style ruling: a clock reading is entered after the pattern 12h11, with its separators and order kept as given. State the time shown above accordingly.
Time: 9h16
